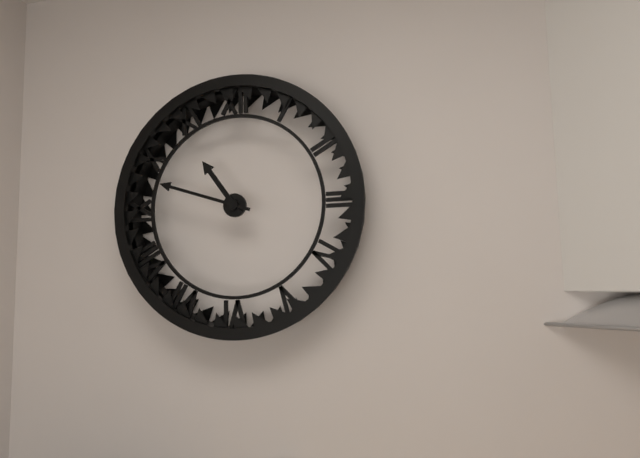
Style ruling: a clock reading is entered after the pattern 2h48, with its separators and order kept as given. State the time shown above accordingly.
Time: 10h48
